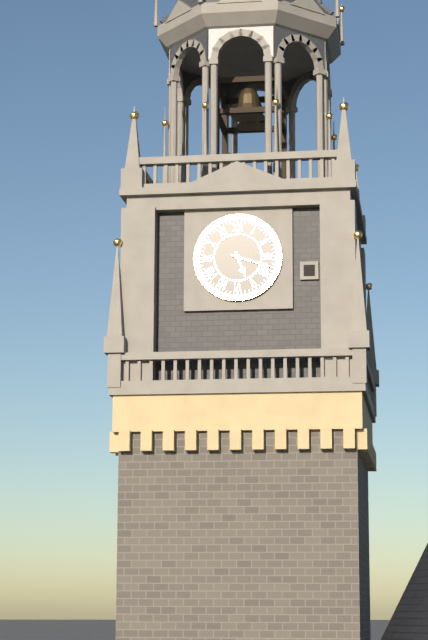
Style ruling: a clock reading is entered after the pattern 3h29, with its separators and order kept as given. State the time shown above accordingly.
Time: 5h18
